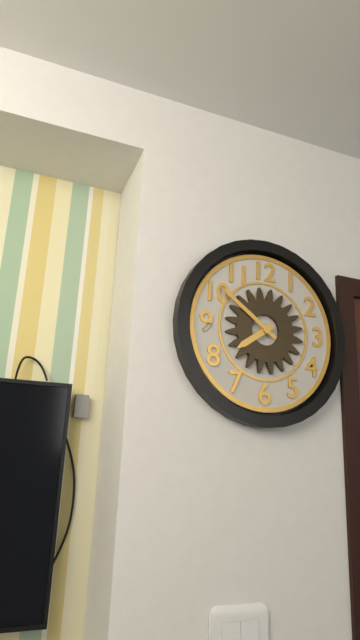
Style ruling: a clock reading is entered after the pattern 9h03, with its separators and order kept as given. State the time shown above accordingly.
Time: 7h51
